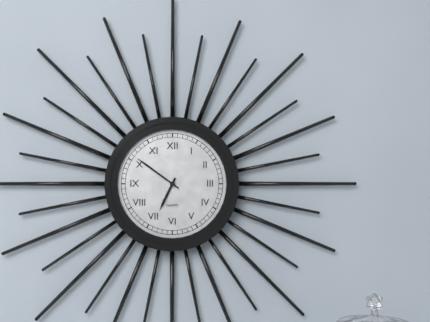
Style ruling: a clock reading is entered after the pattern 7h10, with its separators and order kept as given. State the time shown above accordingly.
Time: 6h51
